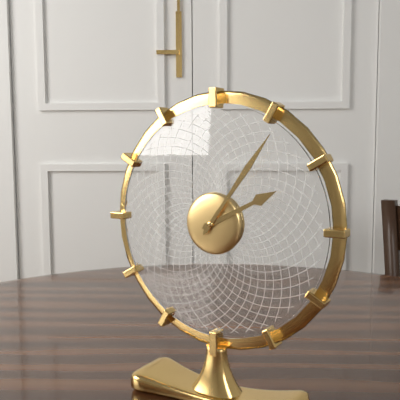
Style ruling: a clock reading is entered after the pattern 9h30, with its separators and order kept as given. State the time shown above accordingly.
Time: 2h06
